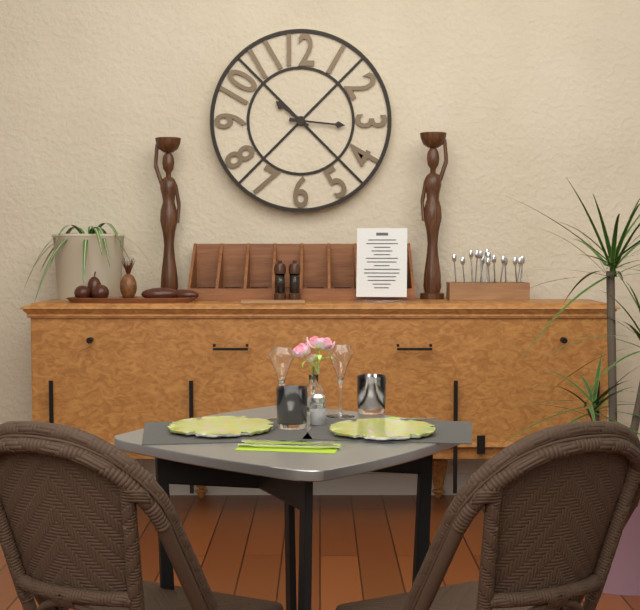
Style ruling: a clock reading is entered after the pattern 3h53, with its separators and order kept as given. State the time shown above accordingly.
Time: 10h16
